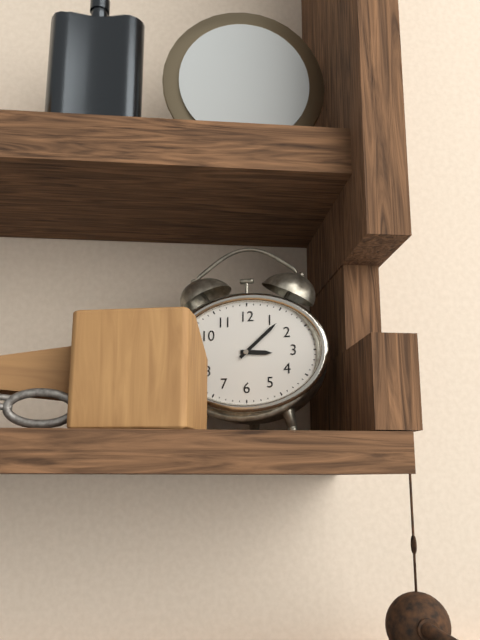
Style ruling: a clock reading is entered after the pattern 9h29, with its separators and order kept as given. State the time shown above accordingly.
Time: 3h08
